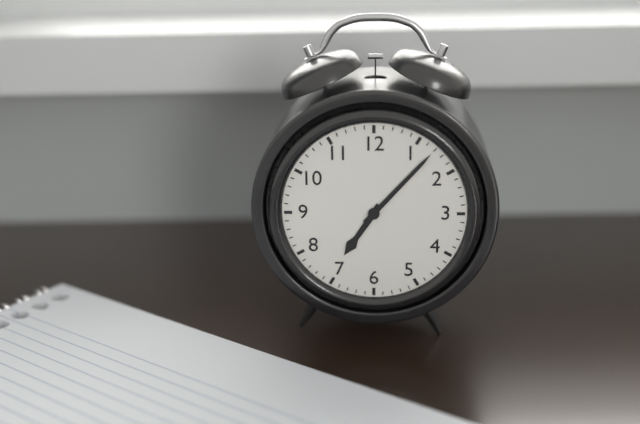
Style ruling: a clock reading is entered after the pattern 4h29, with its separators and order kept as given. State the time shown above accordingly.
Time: 7h07
